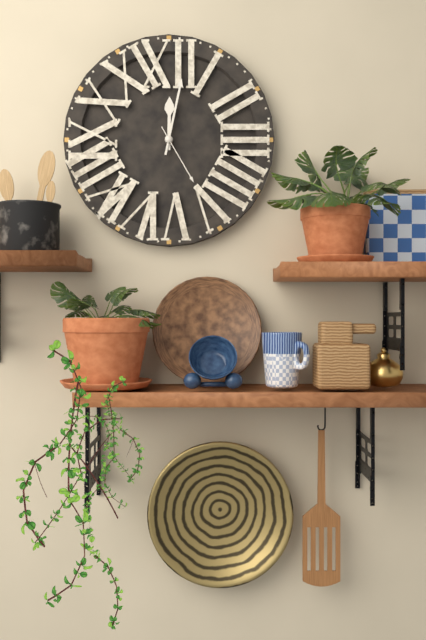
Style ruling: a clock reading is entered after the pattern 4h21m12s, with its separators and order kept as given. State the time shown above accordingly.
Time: 12h02m25s
